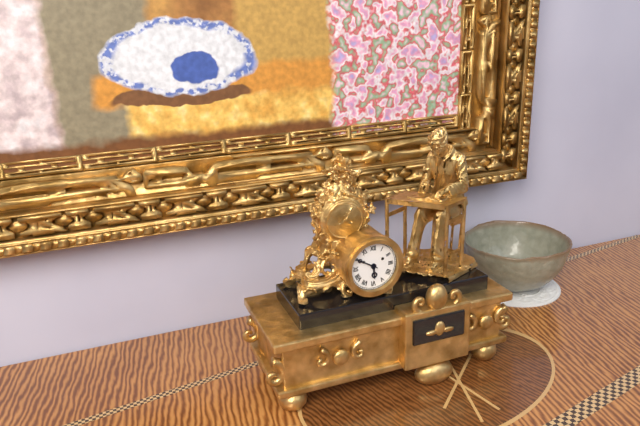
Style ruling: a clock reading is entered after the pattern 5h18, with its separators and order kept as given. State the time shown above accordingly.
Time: 5h50
